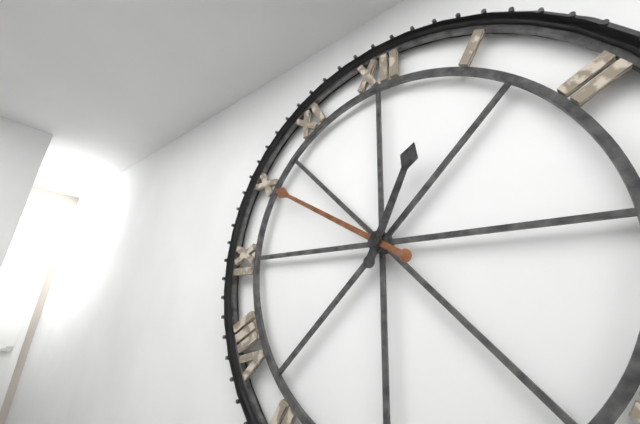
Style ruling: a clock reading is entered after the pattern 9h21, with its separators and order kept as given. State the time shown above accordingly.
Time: 12h50
